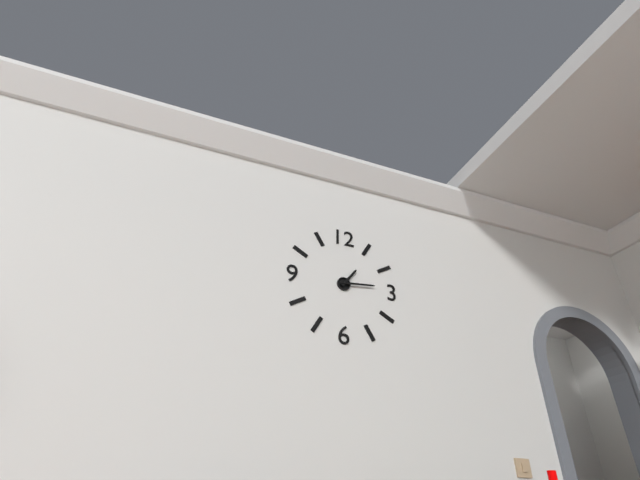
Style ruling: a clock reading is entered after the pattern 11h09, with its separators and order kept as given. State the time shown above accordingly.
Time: 1h14
